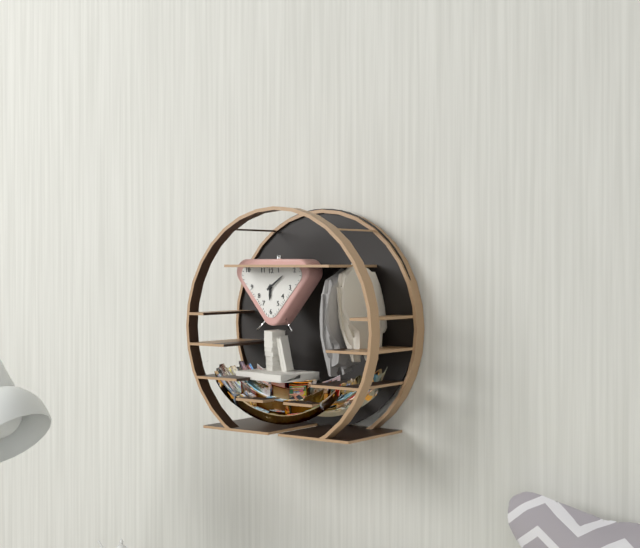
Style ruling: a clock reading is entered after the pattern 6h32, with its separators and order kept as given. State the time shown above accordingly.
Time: 6h09
